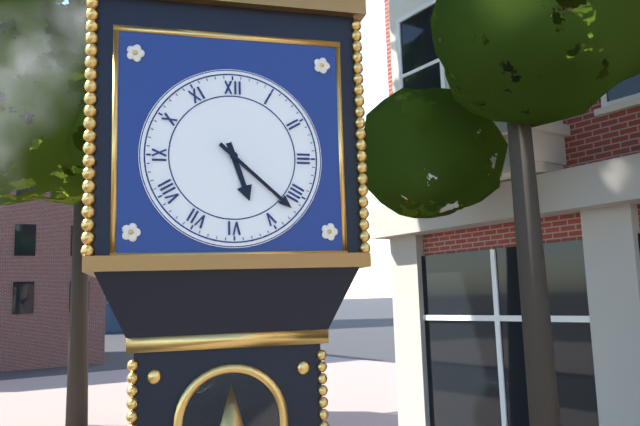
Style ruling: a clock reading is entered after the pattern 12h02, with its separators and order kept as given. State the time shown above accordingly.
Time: 5h22
